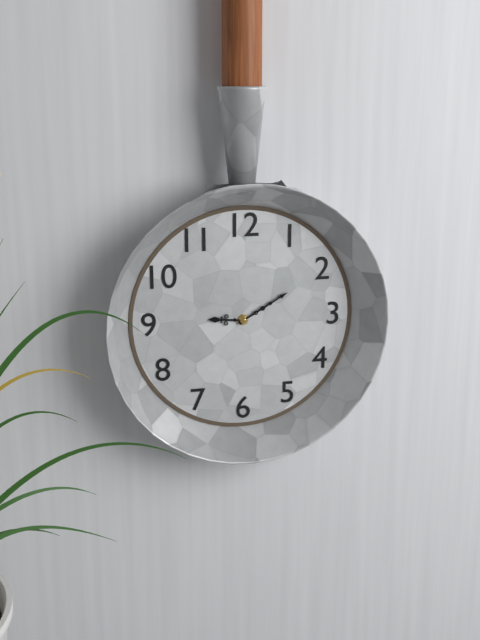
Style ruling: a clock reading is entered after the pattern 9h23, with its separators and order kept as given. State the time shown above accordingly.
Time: 9h10
